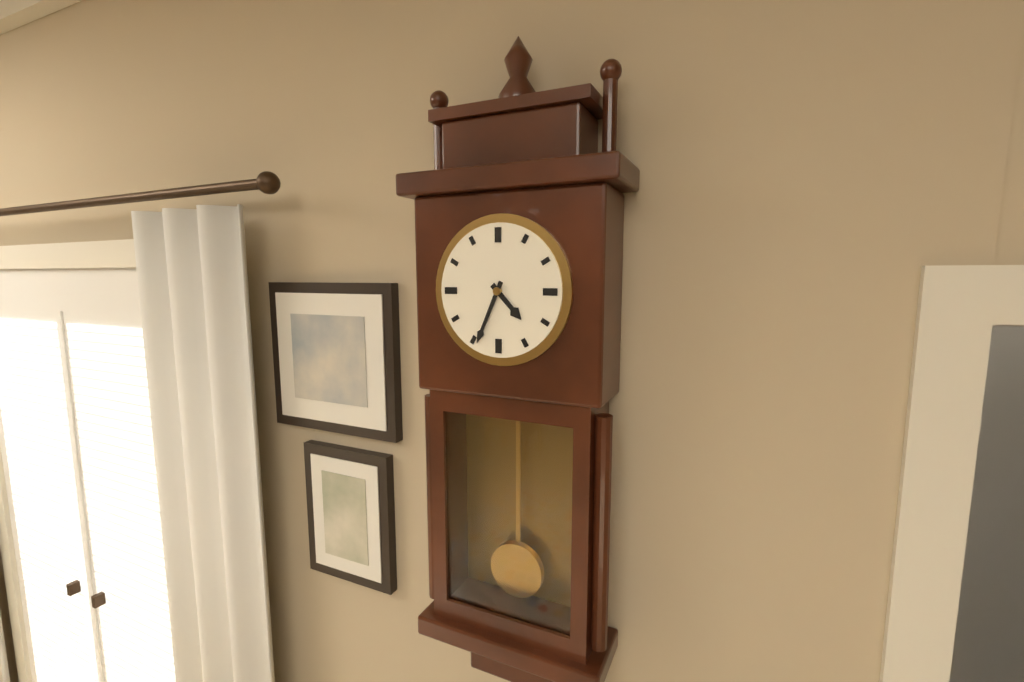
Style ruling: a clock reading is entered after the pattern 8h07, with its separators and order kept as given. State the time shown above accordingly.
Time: 4h34
